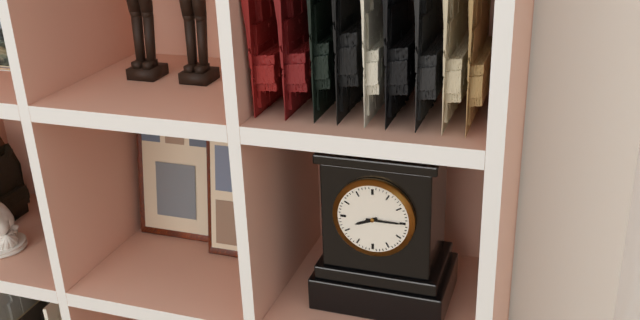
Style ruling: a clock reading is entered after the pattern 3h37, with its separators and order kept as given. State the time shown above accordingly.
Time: 8h15
